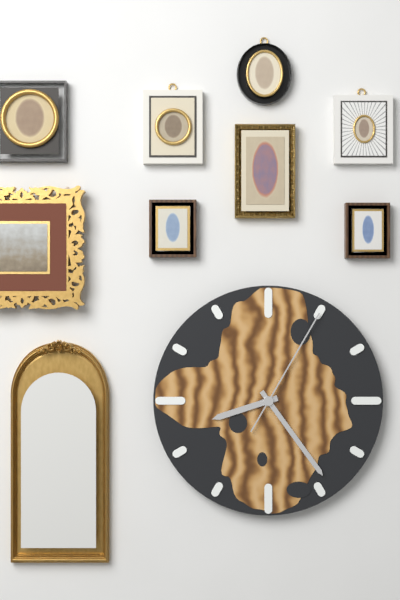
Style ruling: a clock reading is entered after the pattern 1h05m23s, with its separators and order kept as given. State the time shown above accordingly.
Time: 8h24m05s
